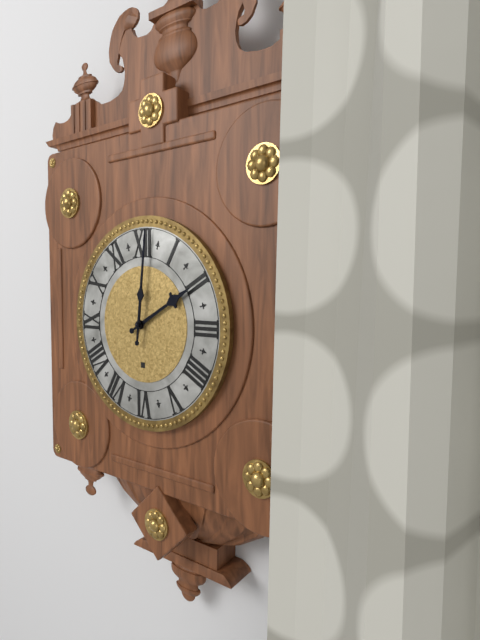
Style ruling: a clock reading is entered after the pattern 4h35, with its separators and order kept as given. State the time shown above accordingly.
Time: 2h01
